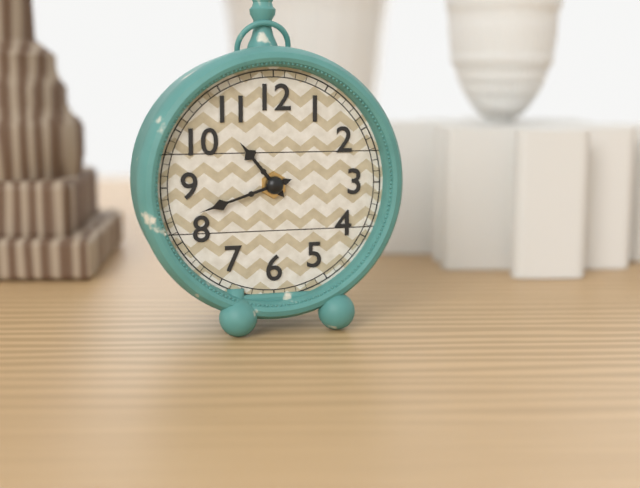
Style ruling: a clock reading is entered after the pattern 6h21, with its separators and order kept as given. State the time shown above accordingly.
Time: 10h42
